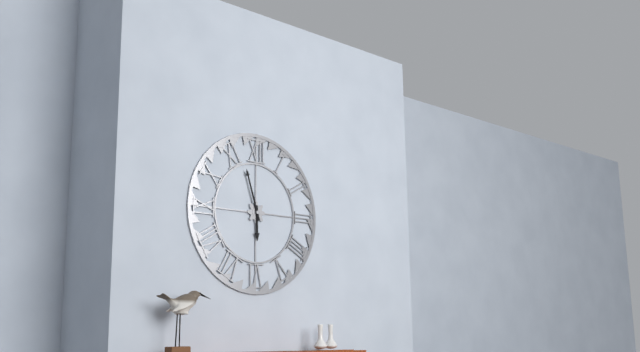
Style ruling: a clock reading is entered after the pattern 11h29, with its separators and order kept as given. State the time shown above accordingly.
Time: 5h57
